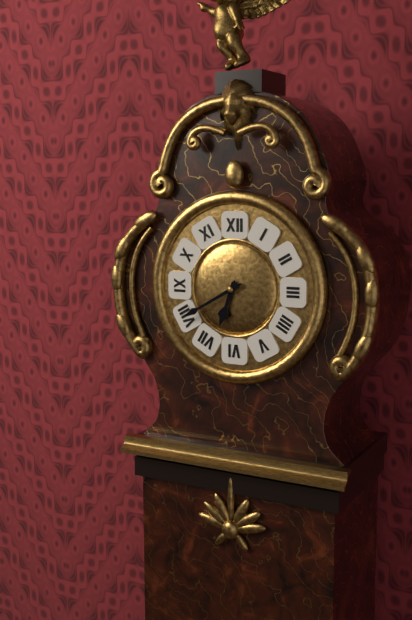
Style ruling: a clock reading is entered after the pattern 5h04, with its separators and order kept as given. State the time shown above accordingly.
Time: 6h40
